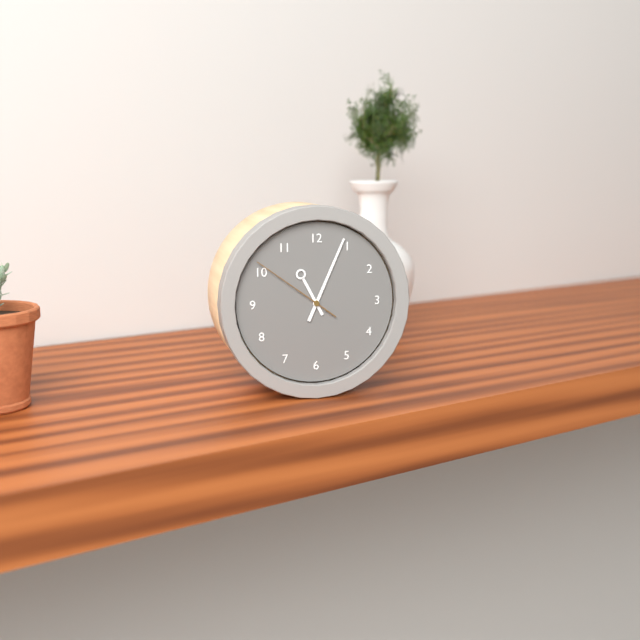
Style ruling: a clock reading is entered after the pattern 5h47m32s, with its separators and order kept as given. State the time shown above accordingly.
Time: 11h04m51s
